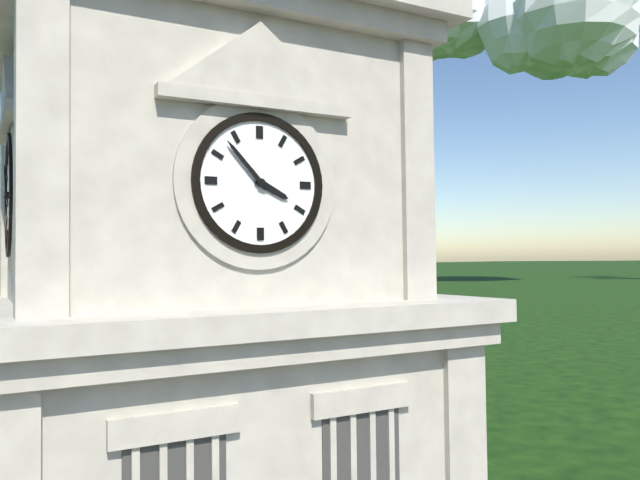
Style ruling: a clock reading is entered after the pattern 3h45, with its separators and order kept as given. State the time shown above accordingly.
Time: 3h53
